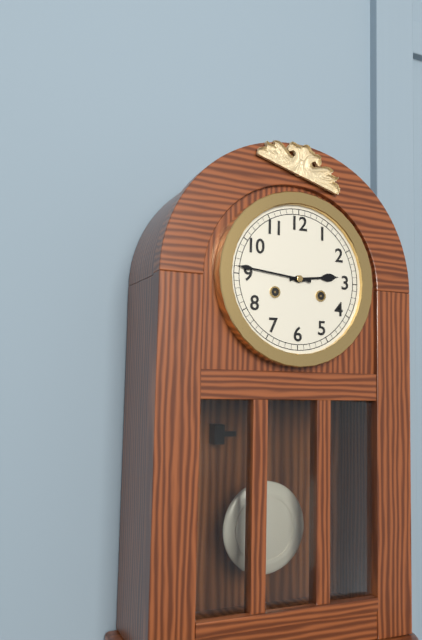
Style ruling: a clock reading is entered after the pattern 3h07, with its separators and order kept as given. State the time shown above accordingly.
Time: 2h46
